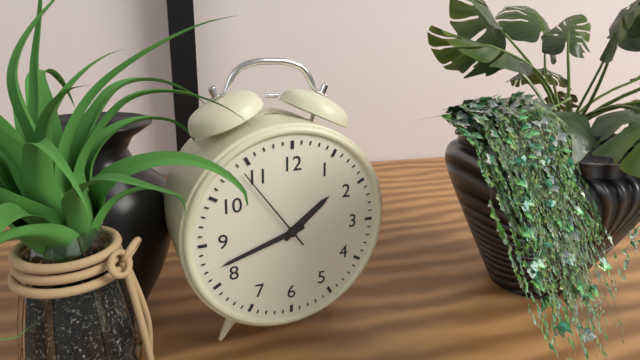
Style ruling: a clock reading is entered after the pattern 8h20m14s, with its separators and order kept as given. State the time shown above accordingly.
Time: 1h42m54s
